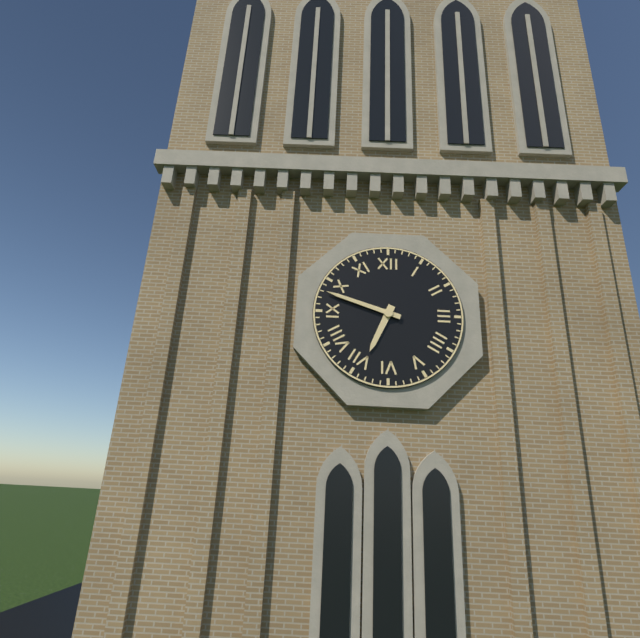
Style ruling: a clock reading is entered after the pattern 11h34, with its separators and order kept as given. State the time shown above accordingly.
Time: 6h48
